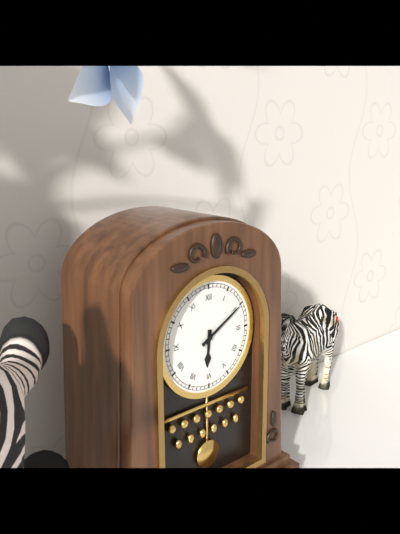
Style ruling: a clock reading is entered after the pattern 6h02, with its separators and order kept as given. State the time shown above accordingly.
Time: 6h10
